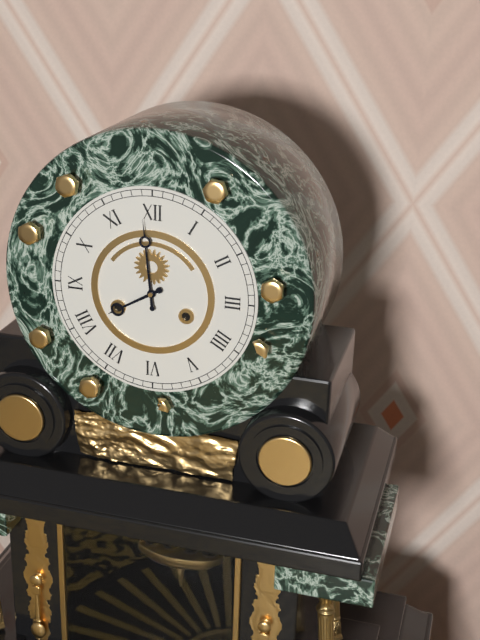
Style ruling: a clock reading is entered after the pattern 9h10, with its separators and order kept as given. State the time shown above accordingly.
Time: 7h59
